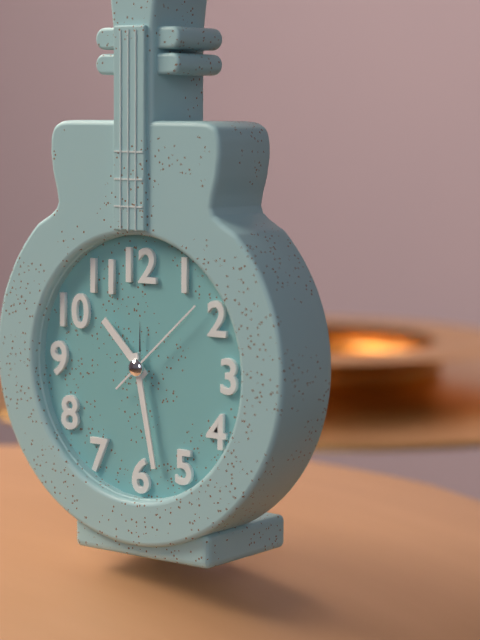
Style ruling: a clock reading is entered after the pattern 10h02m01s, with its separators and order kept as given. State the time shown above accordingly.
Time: 10h28m08s
